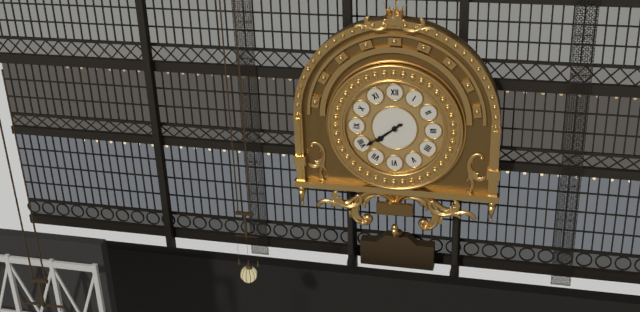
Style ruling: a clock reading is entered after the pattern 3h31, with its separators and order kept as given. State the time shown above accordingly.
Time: 7h39
